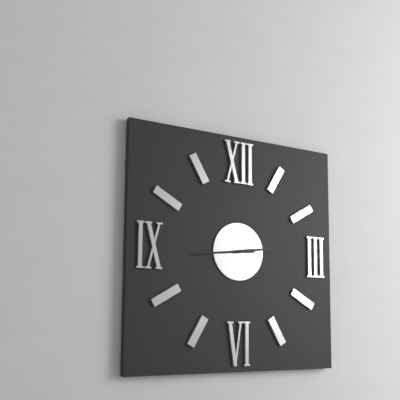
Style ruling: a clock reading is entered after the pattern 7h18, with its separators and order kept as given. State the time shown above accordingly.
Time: 2h44
